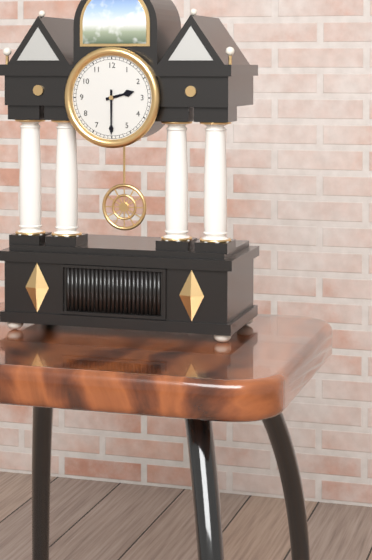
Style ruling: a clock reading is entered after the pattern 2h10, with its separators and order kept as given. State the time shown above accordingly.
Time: 2h30
